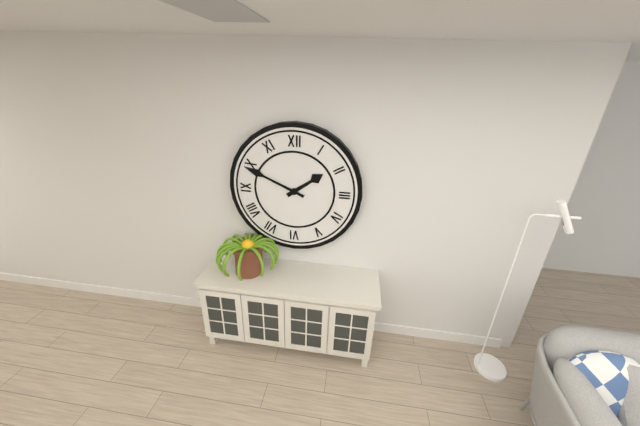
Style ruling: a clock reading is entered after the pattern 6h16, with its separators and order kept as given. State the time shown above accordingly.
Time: 1h49
